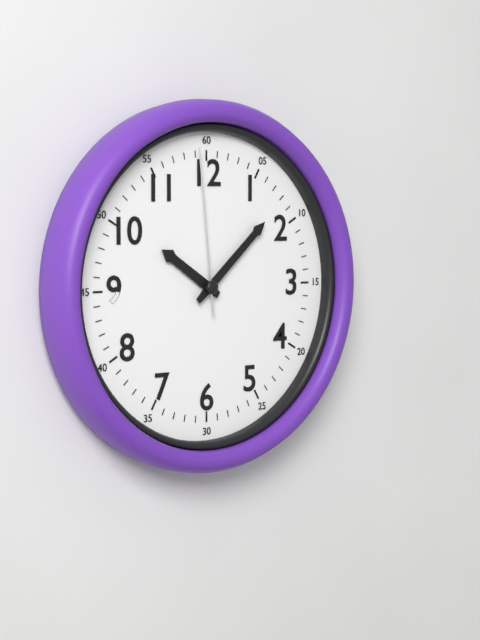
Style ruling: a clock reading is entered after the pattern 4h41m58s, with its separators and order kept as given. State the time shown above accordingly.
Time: 10h08m59s
